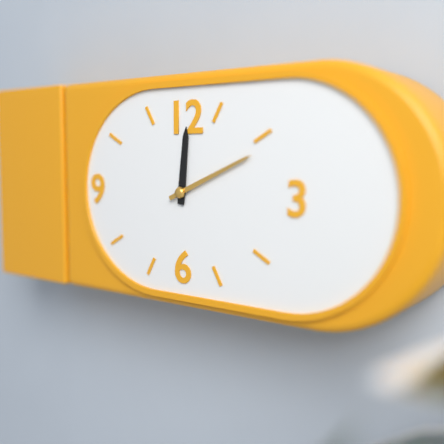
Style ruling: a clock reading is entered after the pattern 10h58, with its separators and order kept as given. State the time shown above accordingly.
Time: 12h11
